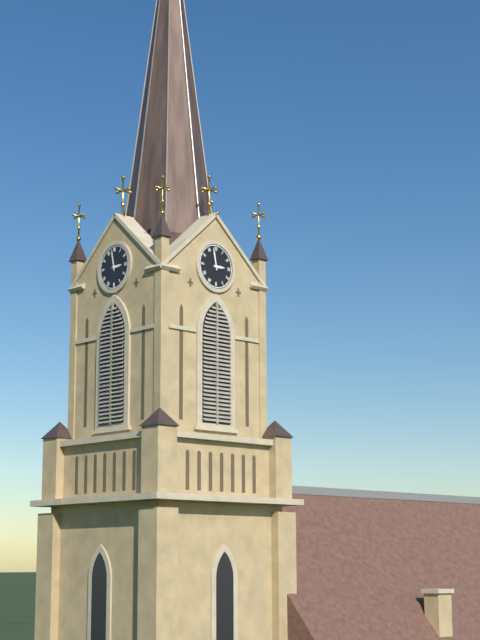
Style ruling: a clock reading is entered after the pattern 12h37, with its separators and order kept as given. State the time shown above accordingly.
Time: 2h58
